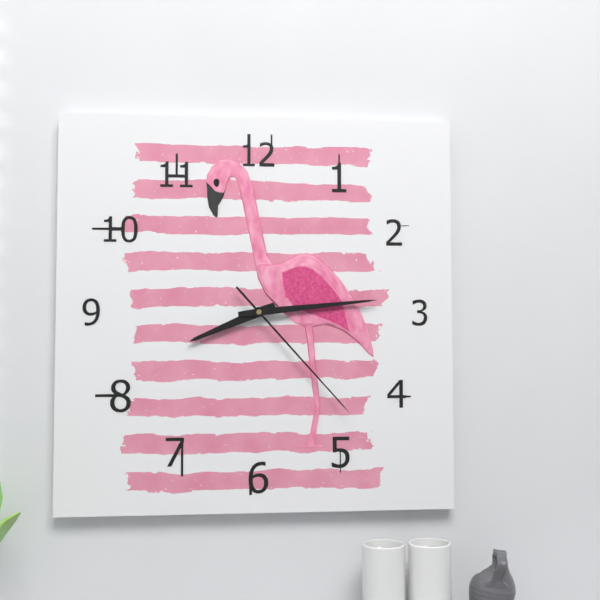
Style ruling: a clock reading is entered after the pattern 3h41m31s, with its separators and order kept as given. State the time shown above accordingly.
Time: 8h14m23s
